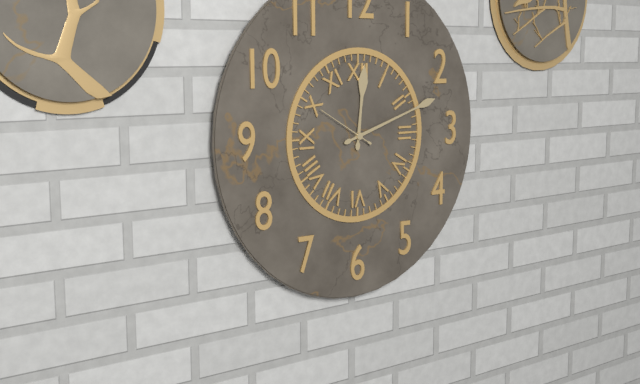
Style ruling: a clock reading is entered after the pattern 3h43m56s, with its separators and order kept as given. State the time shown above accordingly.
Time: 12h12m50s
